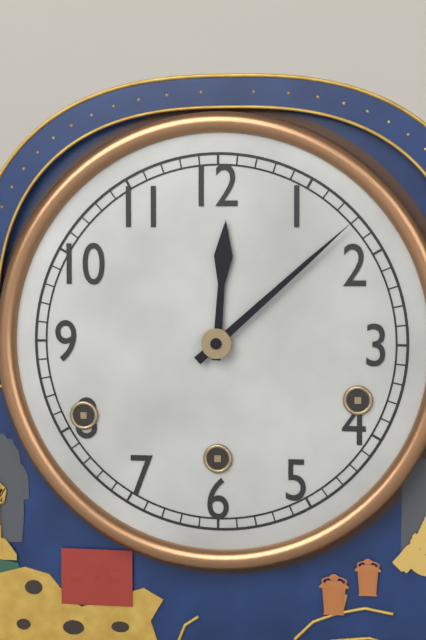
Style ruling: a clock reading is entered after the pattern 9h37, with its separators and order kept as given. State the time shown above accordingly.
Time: 12h08
